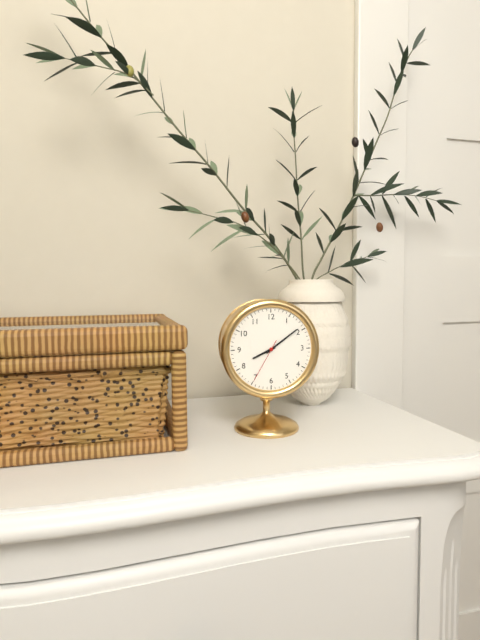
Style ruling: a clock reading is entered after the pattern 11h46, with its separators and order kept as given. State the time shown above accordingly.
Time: 8h09
